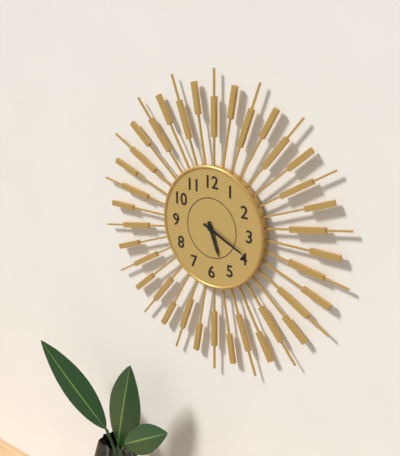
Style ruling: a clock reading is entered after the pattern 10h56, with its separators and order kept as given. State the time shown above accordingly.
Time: 5h19
